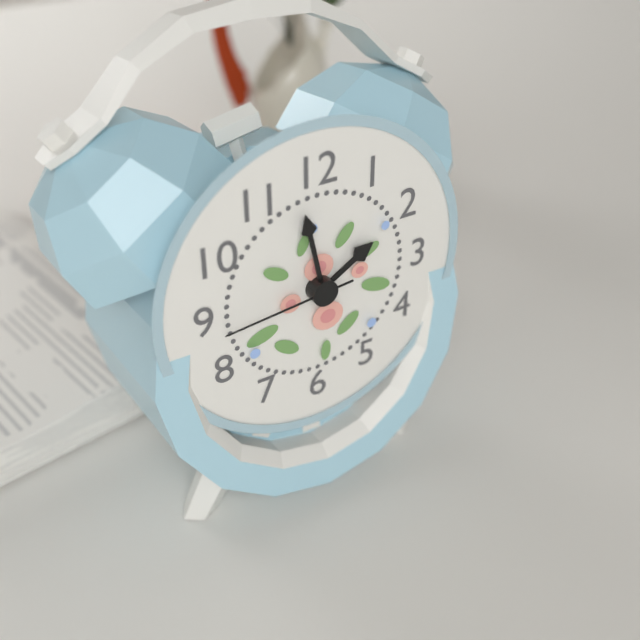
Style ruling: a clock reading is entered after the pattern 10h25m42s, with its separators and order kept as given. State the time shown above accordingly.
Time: 1h58m44s
